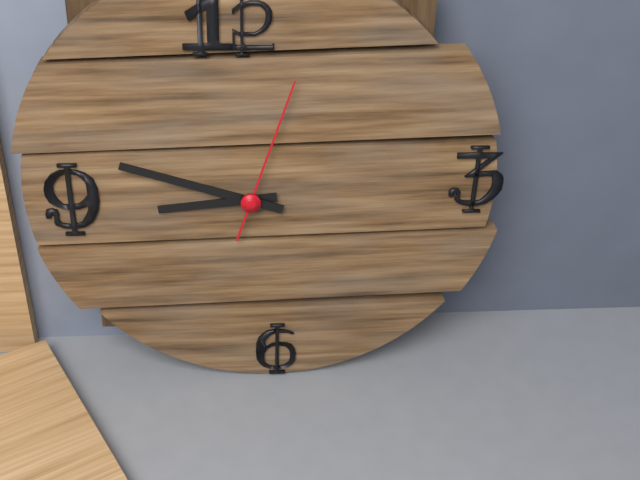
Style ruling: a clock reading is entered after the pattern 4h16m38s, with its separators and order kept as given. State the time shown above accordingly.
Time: 8h48m03s
